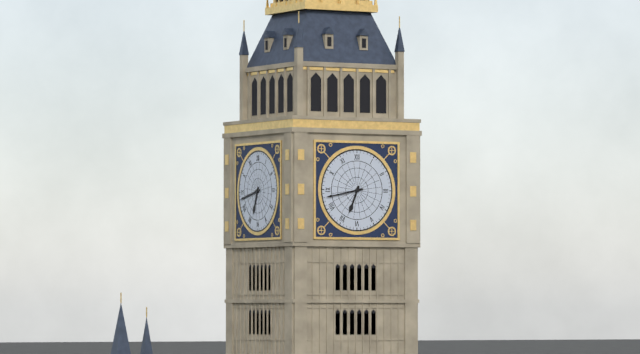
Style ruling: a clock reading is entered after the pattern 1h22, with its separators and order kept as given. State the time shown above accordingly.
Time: 6h43
